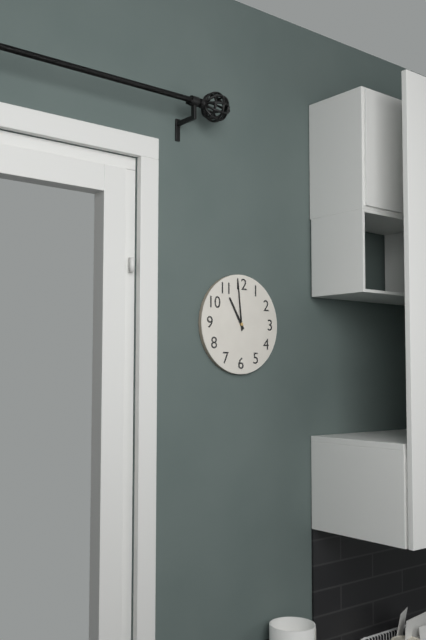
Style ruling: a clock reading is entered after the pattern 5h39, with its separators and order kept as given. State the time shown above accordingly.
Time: 10h59
